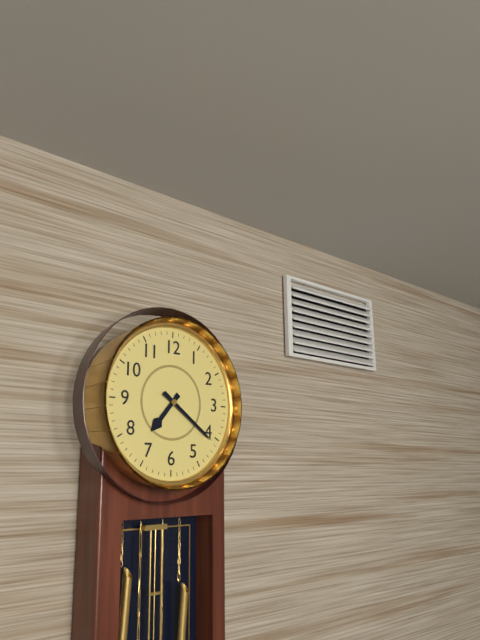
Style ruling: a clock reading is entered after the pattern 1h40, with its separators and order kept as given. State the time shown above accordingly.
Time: 7h21
